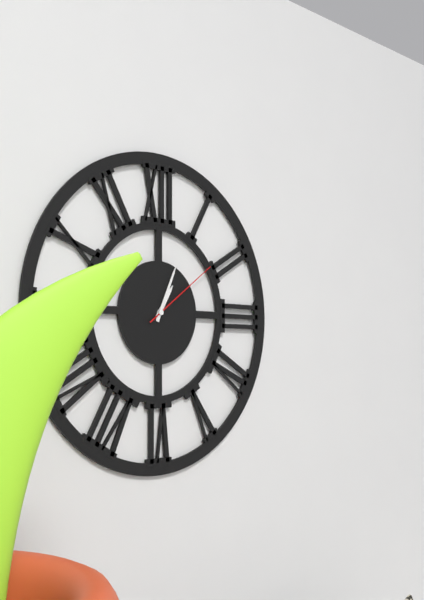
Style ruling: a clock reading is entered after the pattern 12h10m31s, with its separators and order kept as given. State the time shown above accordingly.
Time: 1h04m09s
